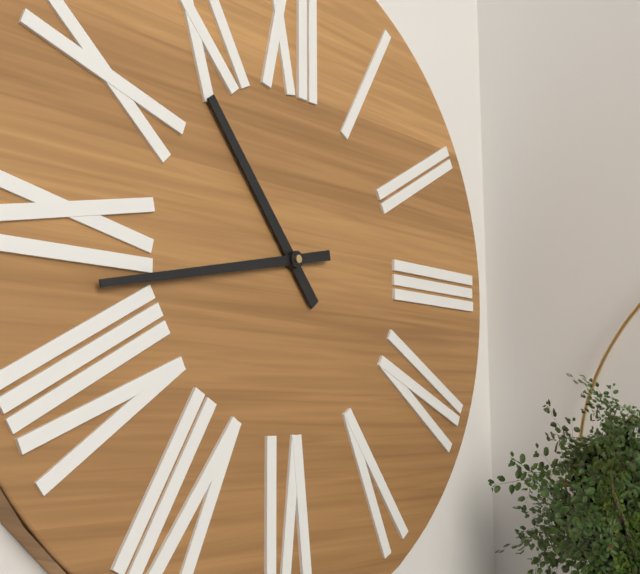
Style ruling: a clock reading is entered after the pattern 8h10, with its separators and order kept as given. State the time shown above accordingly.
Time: 10h43
